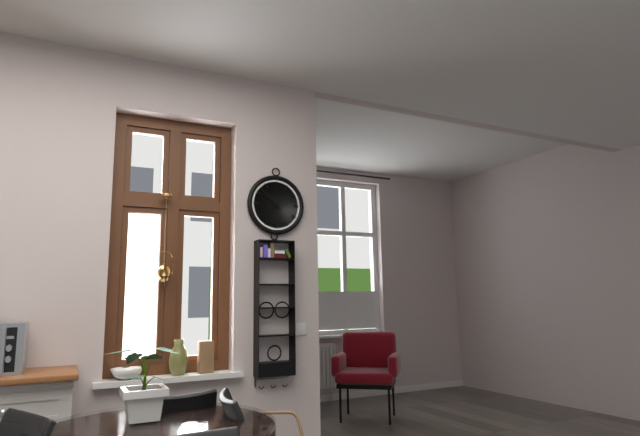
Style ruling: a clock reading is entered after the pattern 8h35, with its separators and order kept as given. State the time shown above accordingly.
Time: 7h52
